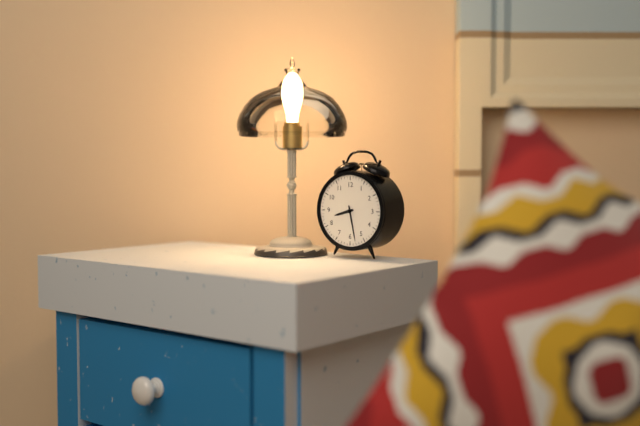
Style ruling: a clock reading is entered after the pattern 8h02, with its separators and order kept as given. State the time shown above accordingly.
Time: 8h28
